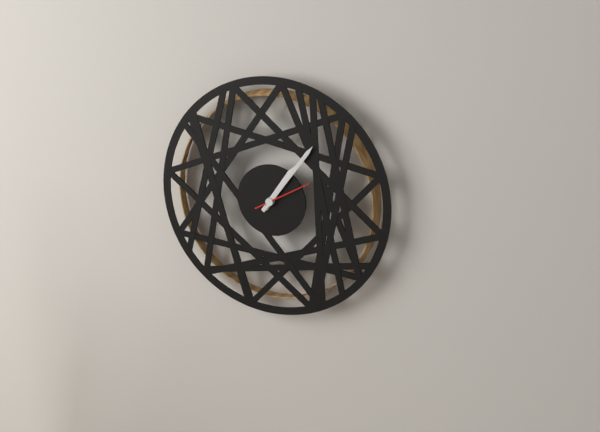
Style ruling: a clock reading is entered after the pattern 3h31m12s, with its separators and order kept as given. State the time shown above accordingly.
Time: 1h06m10s
